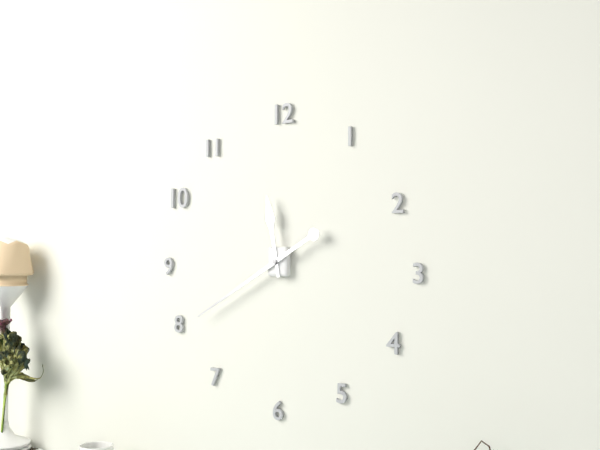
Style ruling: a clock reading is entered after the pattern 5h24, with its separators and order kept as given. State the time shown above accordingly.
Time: 11h40
